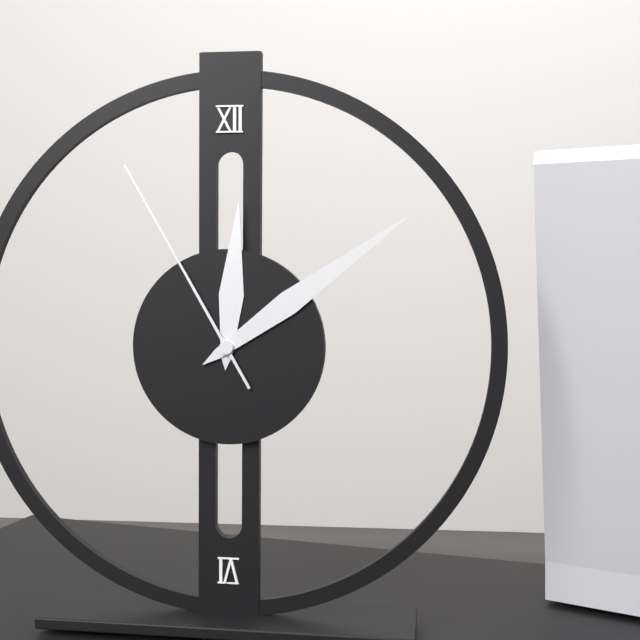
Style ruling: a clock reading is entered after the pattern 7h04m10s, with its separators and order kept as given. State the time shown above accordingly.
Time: 12h09m55s
